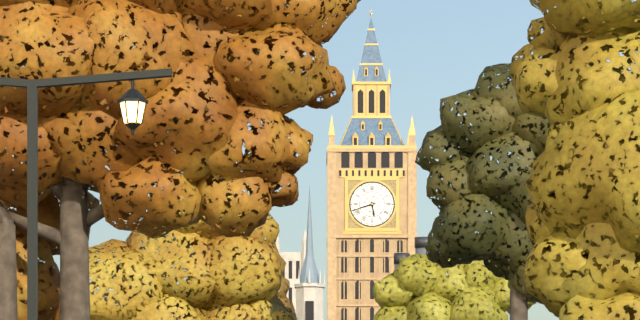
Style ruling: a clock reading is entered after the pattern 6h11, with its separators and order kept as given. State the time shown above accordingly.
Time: 5h42
